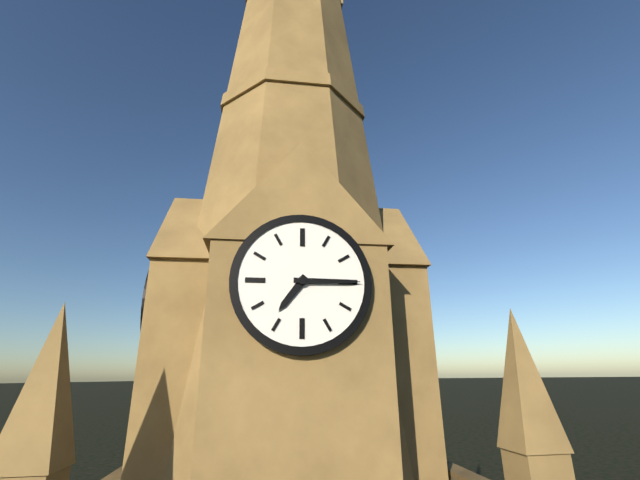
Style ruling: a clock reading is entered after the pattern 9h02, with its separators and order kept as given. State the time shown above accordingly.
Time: 7h15
